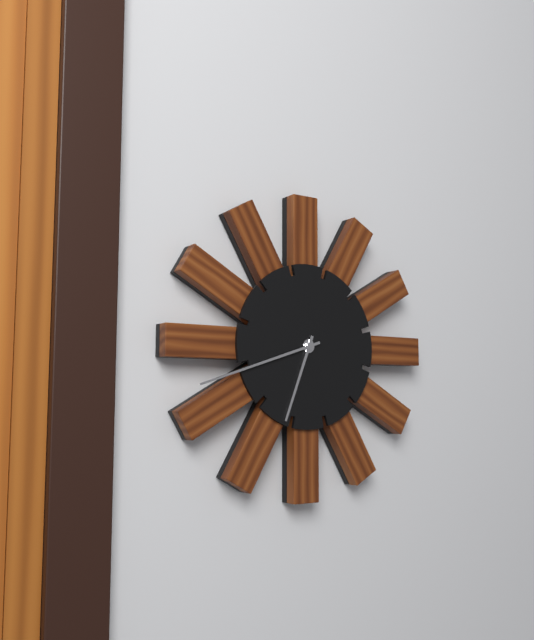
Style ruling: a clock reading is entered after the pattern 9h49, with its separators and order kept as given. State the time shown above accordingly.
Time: 6h42
